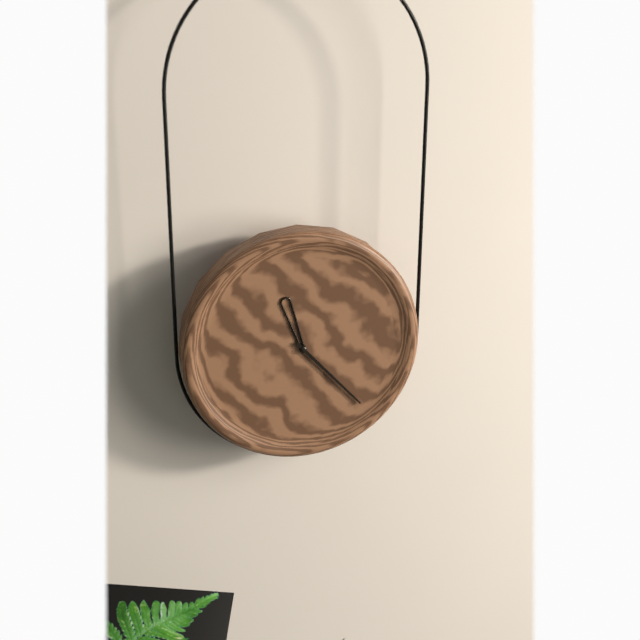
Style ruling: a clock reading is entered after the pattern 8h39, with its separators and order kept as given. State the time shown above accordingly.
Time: 11h23
